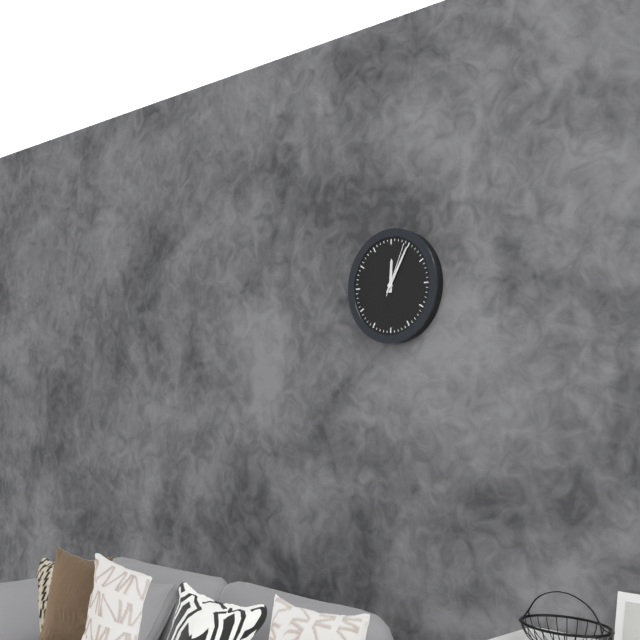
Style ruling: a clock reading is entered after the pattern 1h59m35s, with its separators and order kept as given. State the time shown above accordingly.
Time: 12h05m04s
